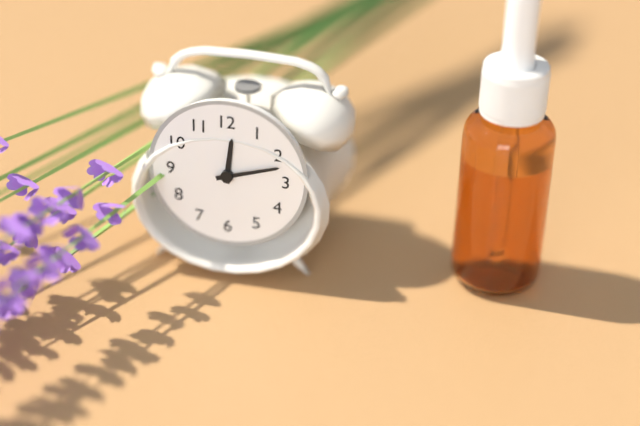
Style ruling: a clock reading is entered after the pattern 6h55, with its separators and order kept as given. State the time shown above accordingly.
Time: 12h12
